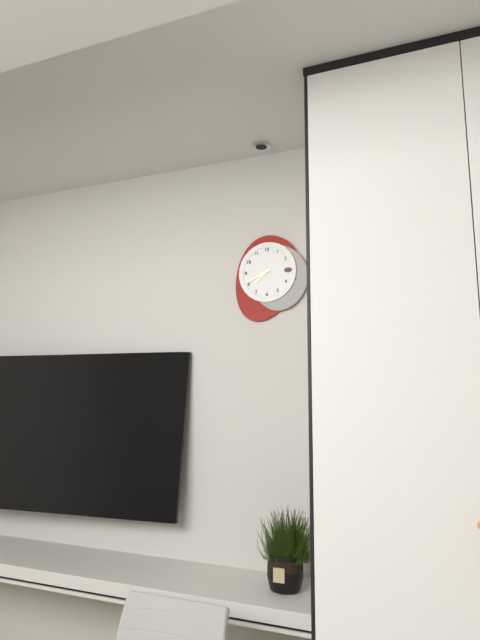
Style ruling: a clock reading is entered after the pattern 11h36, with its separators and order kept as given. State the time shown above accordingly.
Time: 7h41
